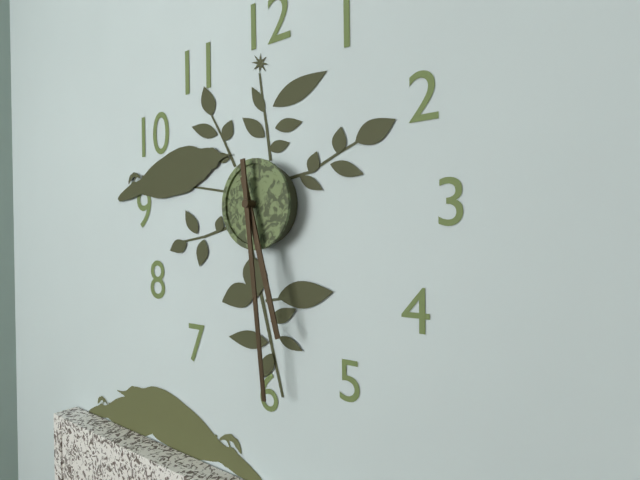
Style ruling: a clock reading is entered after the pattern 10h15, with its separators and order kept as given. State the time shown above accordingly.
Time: 5h29
